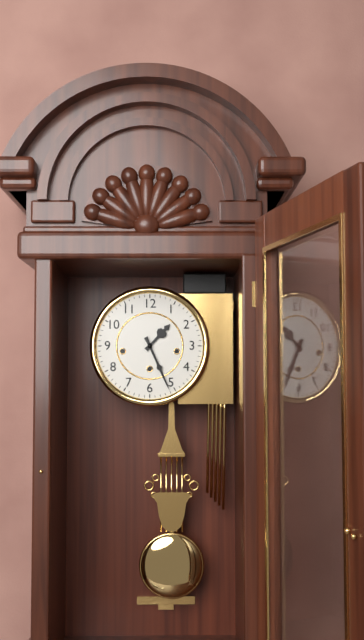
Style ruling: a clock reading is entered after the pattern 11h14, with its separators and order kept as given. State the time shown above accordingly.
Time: 1h26
